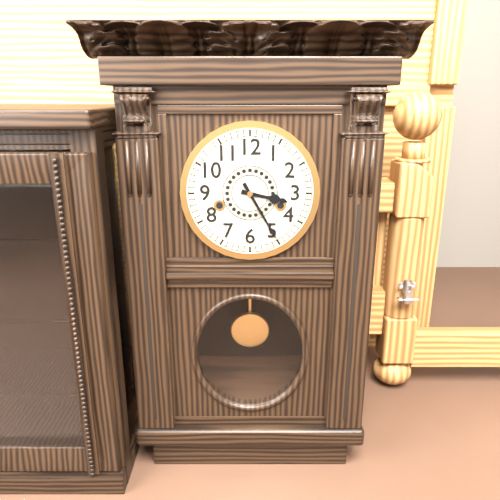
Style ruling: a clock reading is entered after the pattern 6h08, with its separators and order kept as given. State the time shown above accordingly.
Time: 3h25
